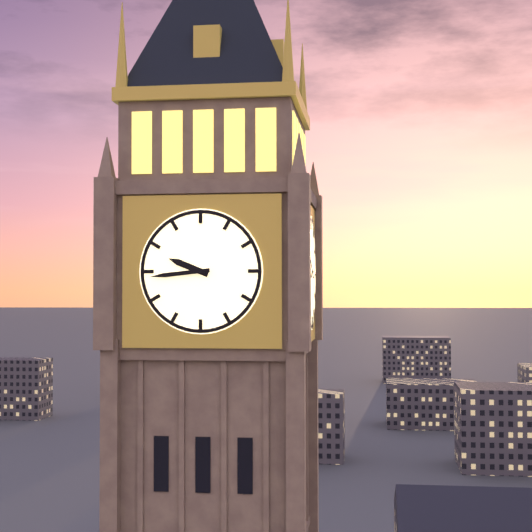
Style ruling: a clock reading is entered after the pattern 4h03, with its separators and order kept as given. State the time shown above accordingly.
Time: 9h44
